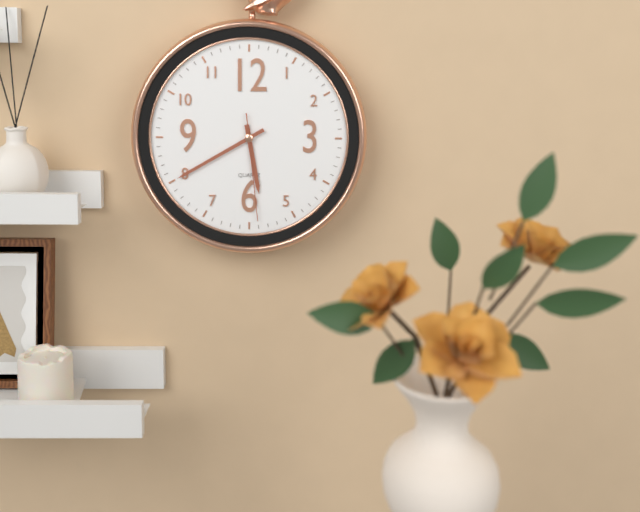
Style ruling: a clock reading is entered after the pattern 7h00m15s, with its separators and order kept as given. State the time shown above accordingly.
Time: 5h40m29s
